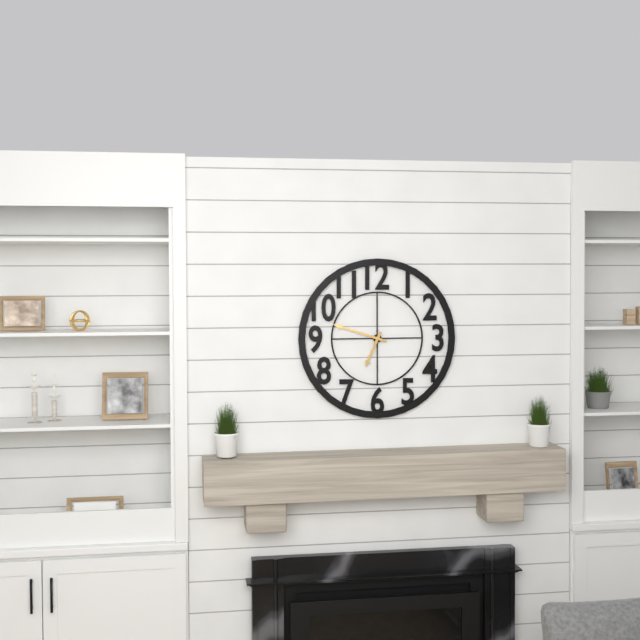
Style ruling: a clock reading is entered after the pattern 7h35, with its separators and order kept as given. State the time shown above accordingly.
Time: 6h48
